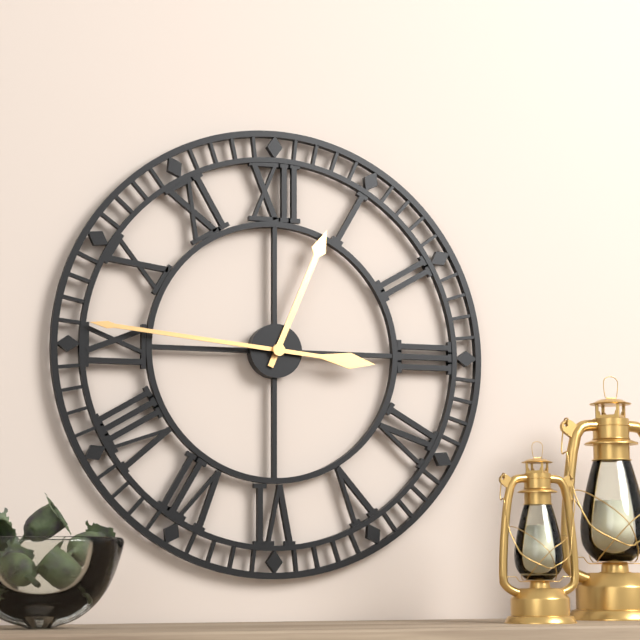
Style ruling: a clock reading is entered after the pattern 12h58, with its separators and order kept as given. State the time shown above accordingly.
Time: 12h46
